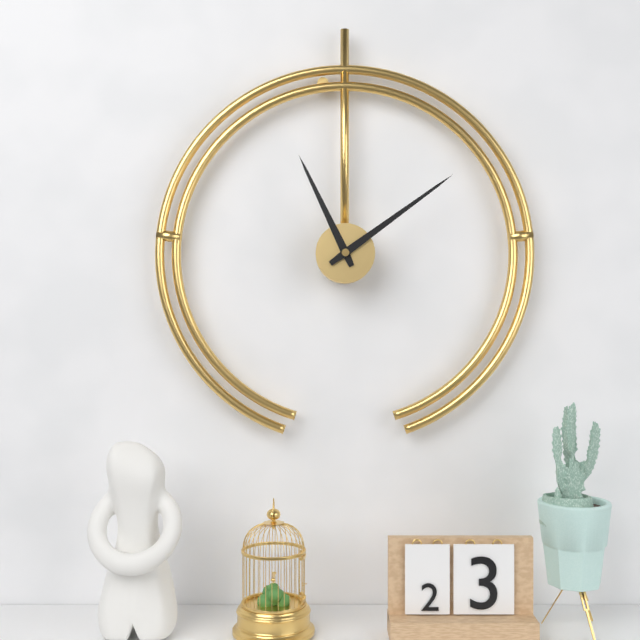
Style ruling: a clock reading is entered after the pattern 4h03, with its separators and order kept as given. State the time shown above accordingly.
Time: 11h09
